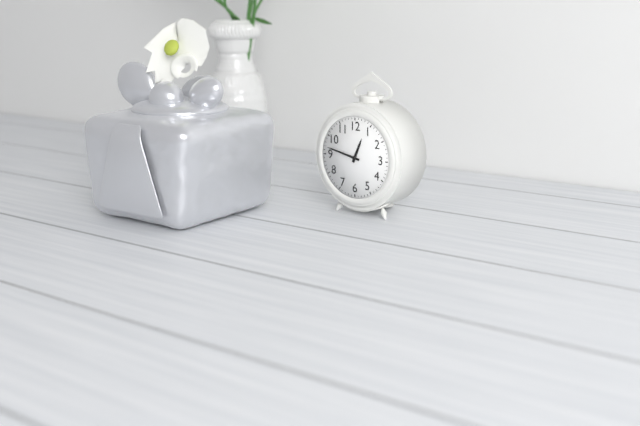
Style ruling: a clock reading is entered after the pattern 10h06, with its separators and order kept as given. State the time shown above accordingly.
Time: 12h47
